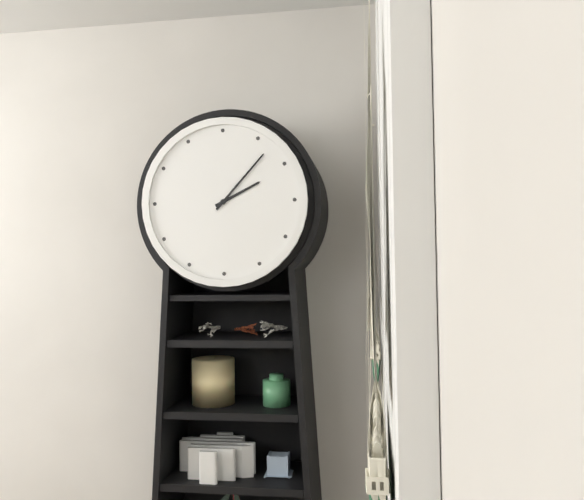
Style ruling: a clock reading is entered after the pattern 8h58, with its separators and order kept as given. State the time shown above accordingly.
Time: 2h07
